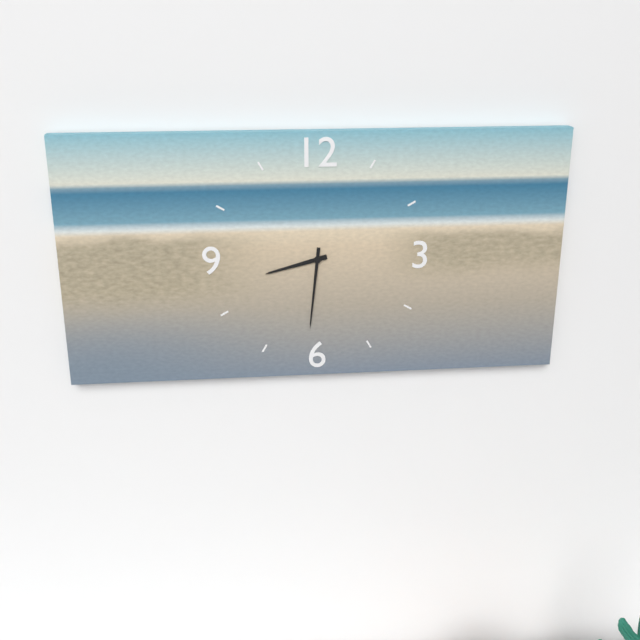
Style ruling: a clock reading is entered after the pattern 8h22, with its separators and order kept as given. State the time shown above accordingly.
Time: 8h31
